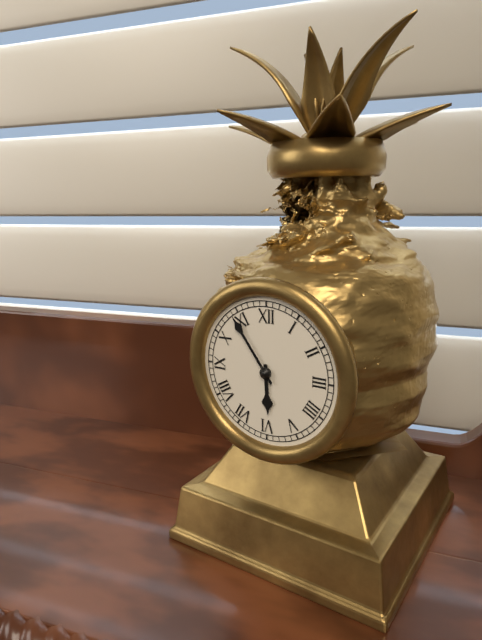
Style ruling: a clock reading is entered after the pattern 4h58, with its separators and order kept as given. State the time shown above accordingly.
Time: 5h54
